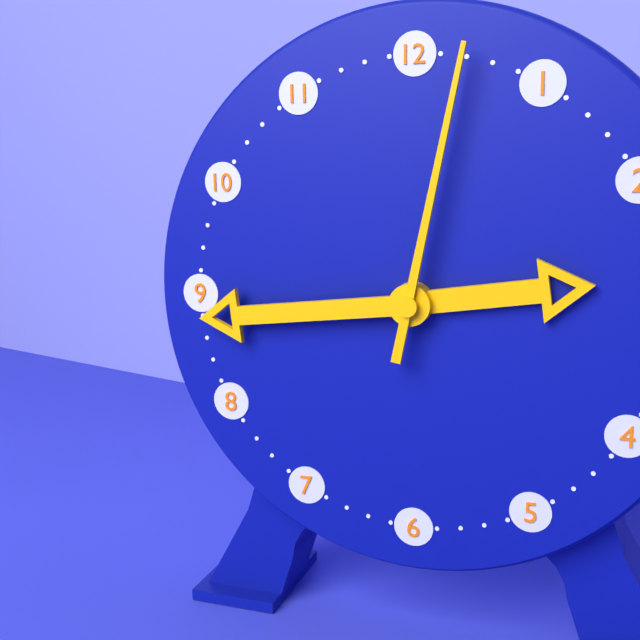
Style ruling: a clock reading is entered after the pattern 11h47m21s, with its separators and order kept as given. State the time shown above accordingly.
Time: 2h44m02s
